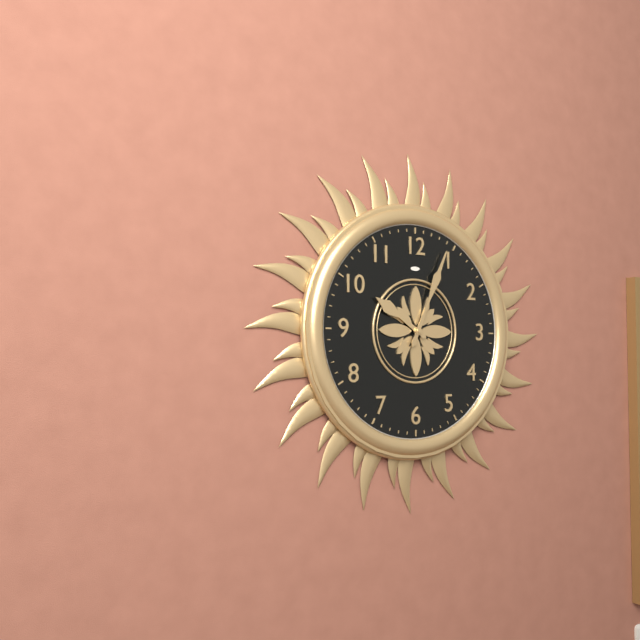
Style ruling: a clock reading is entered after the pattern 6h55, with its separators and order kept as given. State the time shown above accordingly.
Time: 10h04
